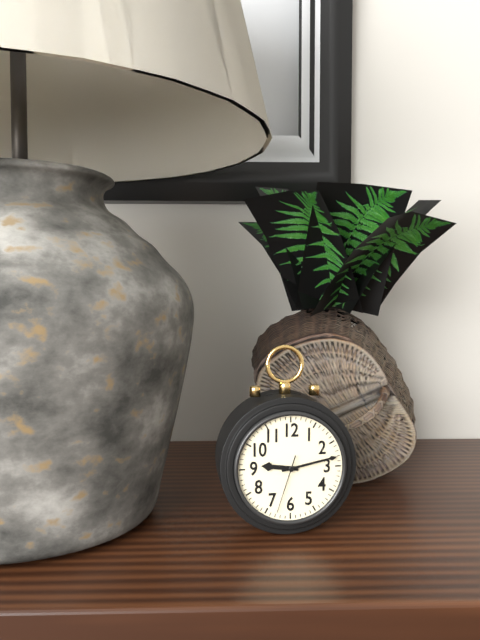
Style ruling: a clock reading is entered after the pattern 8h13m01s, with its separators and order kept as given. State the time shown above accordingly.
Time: 9h13m33s
